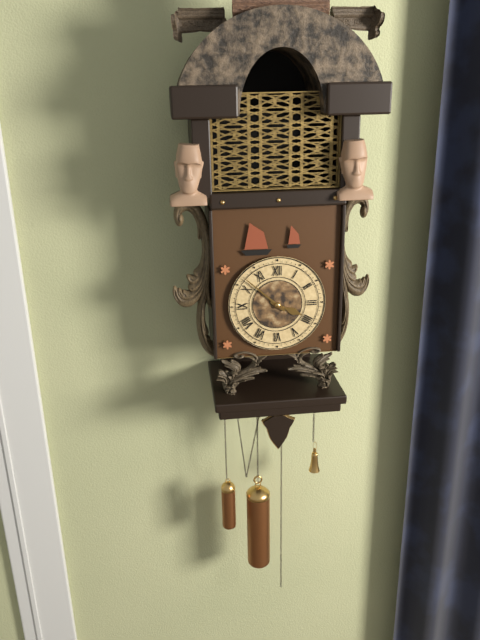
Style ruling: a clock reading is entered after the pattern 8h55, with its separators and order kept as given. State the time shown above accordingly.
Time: 3h52
